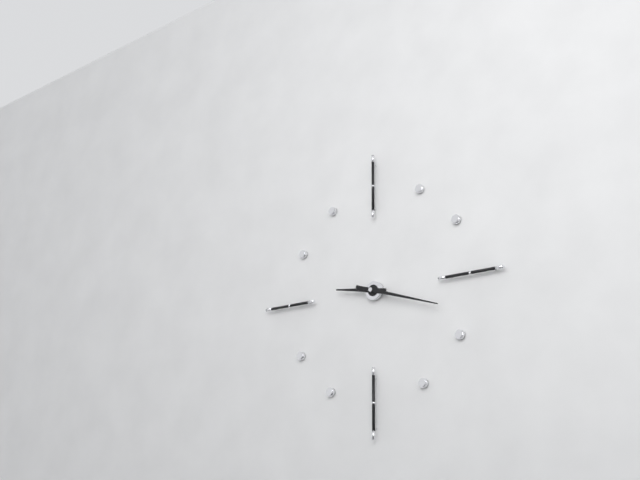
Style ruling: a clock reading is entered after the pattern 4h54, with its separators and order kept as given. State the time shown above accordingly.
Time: 9h18
